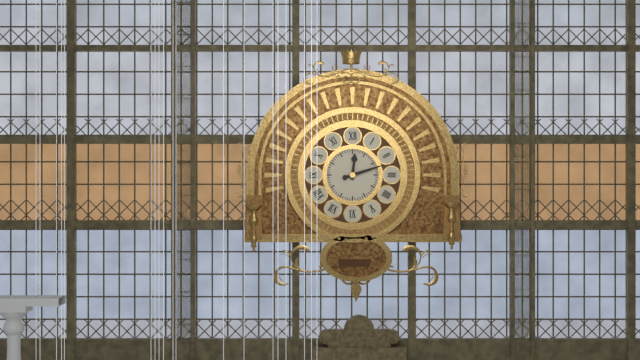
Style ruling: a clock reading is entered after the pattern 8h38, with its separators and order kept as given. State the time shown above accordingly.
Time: 12h12
